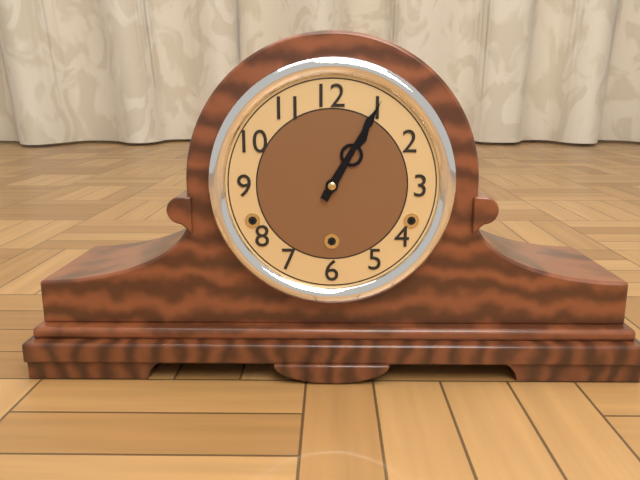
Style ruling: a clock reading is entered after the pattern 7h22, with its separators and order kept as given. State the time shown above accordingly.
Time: 1h05
